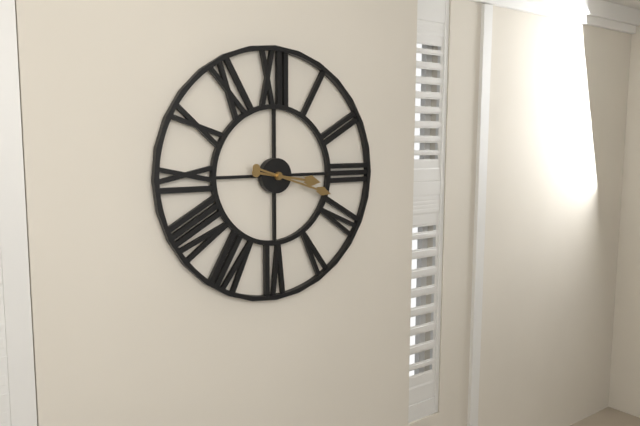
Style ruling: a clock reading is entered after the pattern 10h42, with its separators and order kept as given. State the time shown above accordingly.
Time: 3h18
